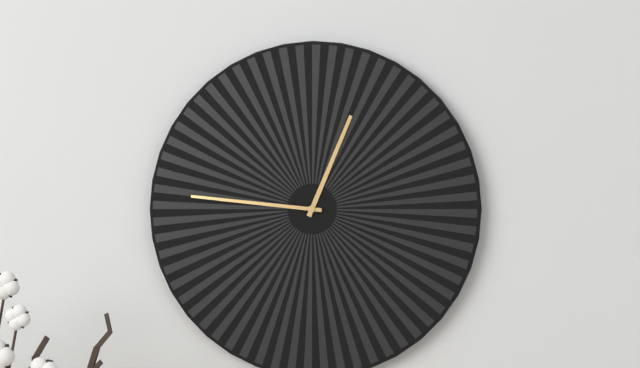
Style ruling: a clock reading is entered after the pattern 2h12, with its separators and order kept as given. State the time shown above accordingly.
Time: 12h46
